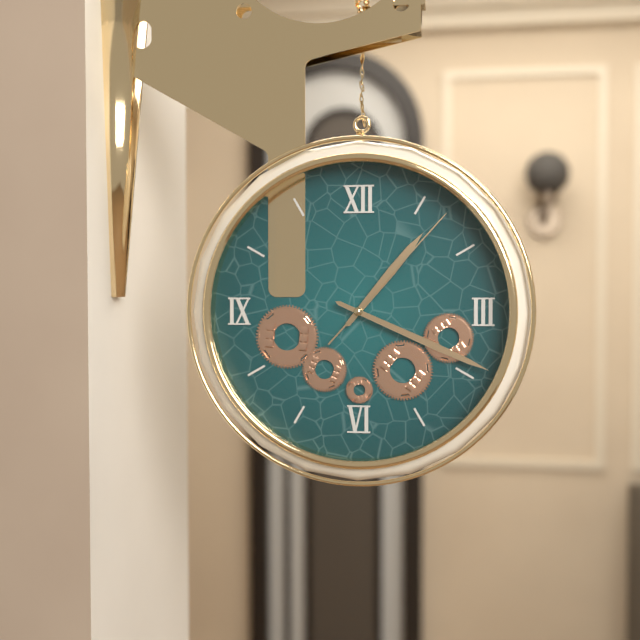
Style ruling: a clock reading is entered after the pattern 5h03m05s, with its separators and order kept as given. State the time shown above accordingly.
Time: 1h19m07s
